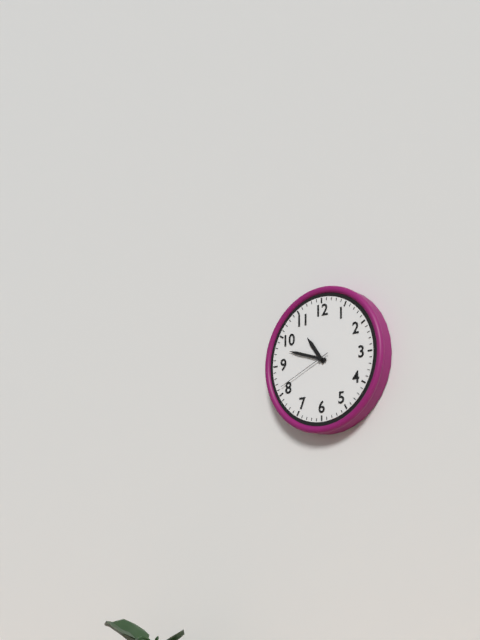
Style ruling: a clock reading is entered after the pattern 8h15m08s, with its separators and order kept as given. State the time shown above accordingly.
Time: 10h48m41s
